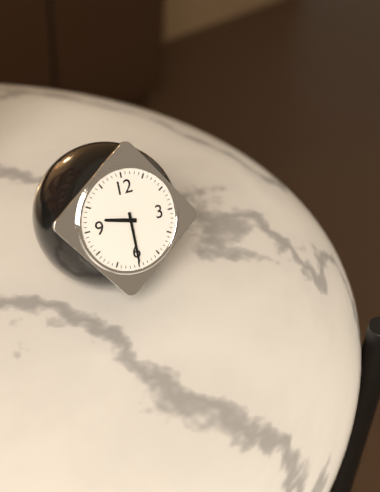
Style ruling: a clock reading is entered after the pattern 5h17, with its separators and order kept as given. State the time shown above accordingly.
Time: 9h30
